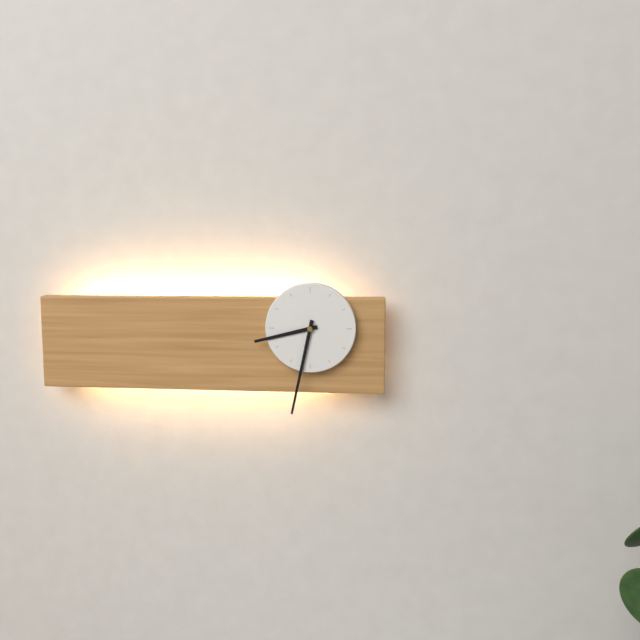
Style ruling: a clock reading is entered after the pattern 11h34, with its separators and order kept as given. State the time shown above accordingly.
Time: 8h32
